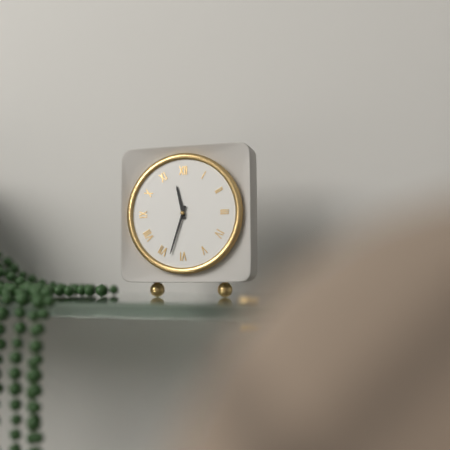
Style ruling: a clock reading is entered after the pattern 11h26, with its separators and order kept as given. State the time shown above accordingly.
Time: 11h33
